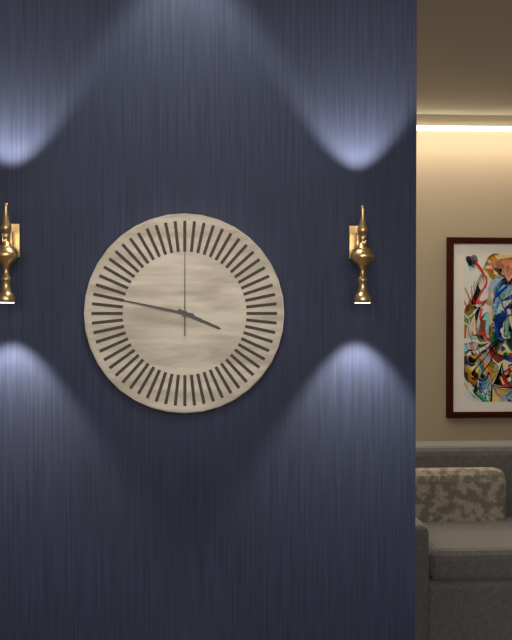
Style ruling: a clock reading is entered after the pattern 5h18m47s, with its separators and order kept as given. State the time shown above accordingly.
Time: 3h47m00s
